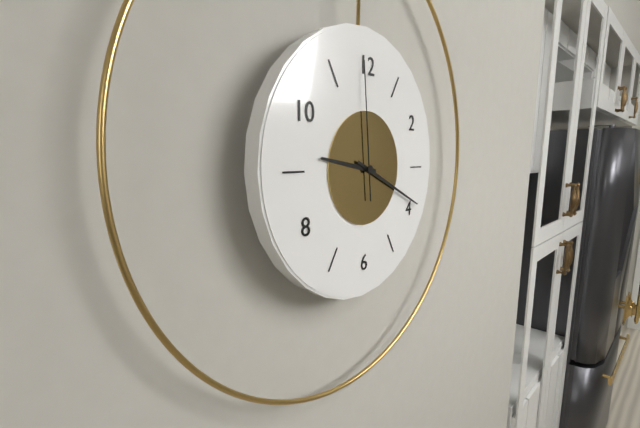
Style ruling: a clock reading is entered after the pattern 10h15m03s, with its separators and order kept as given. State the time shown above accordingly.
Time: 9h19m59s
